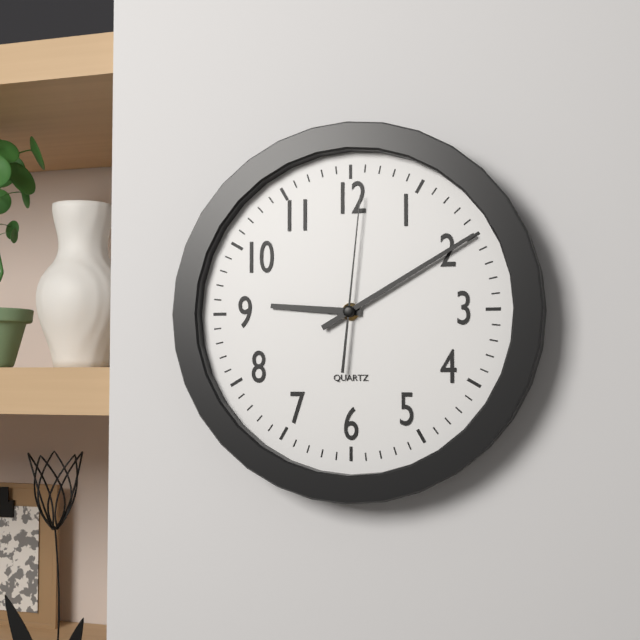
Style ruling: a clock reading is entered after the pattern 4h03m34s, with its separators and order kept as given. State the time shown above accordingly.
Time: 9h10m01s
